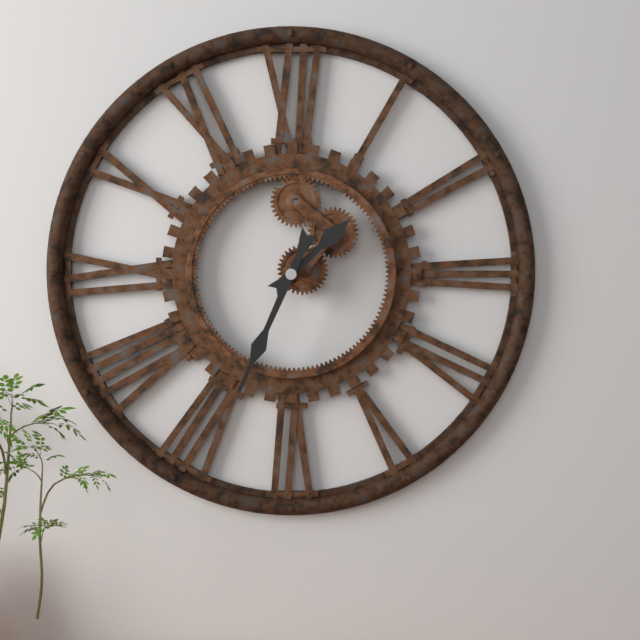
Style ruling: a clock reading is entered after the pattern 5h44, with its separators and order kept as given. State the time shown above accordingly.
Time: 1h34
